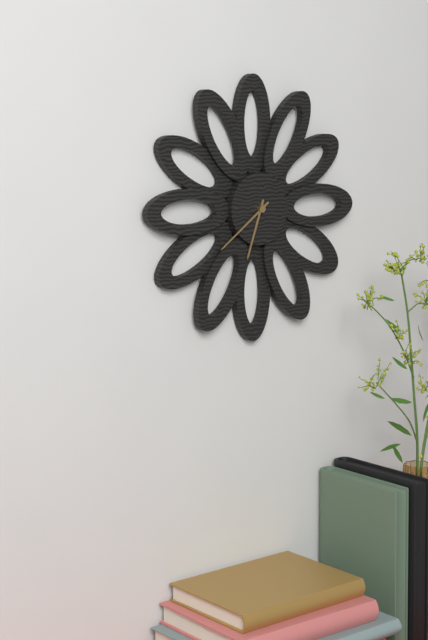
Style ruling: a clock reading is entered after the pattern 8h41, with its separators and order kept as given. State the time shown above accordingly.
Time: 6h39
